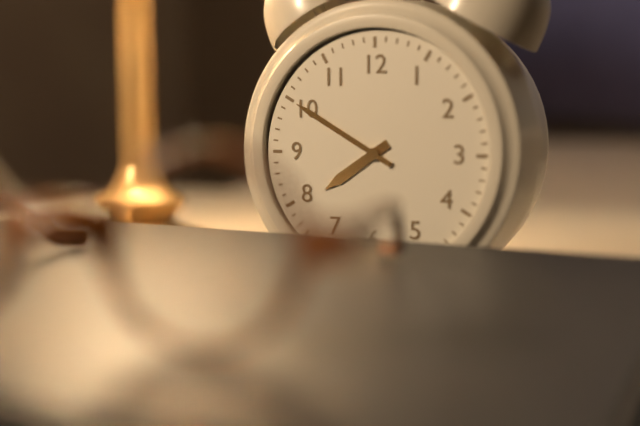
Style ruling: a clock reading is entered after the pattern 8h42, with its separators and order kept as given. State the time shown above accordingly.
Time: 7h50
